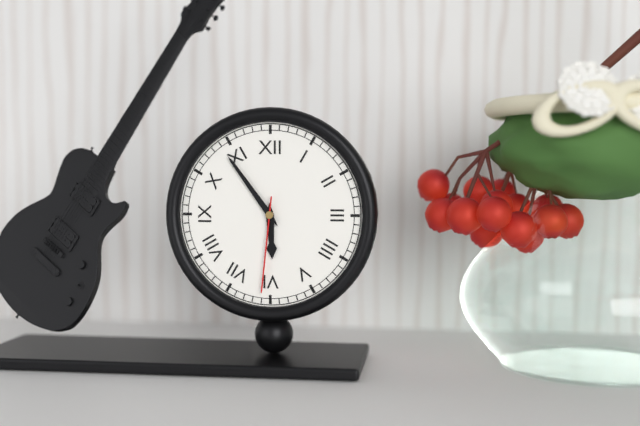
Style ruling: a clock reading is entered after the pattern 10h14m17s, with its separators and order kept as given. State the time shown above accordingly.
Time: 5h54m31s
